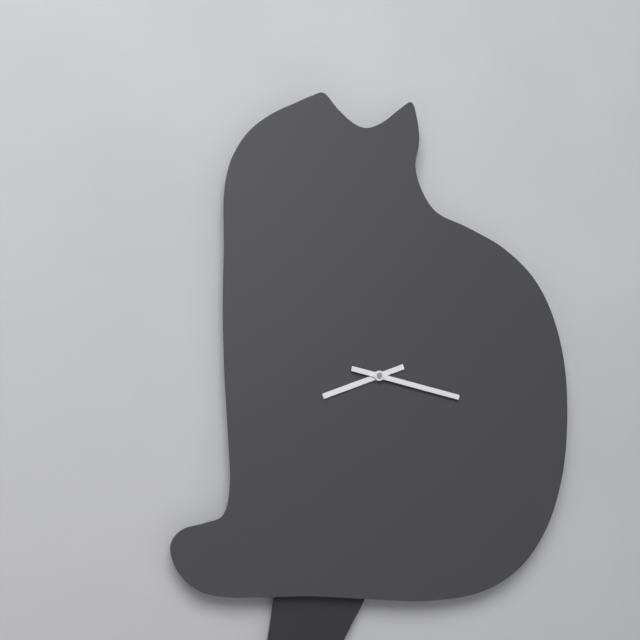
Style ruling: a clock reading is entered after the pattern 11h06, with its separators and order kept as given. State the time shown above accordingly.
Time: 8h17
